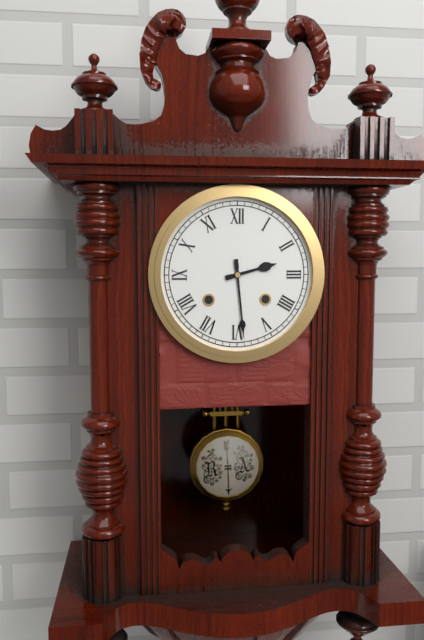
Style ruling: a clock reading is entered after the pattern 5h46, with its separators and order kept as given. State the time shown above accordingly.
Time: 2h29
